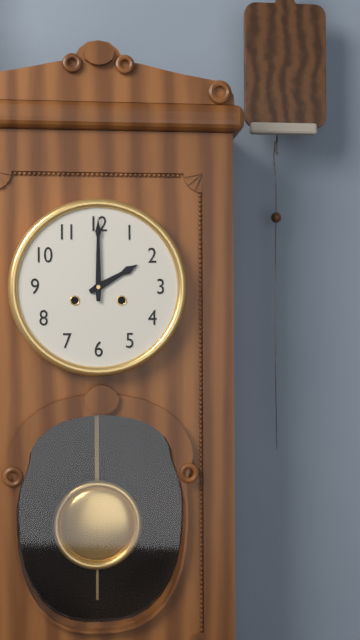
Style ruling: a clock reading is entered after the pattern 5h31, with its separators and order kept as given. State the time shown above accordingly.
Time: 2h00
